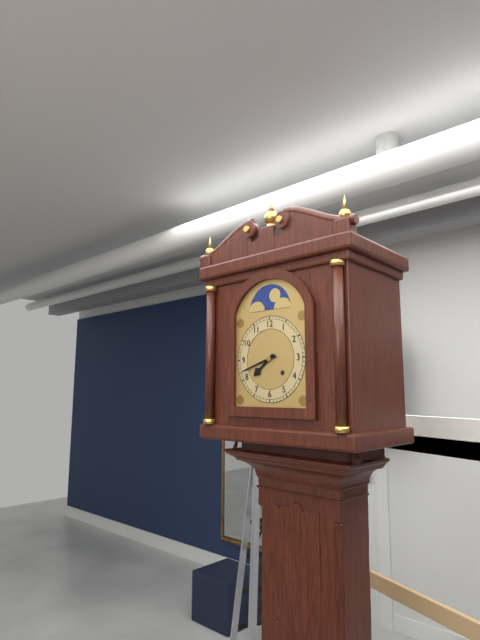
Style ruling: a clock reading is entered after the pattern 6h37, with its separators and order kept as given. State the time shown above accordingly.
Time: 7h42
